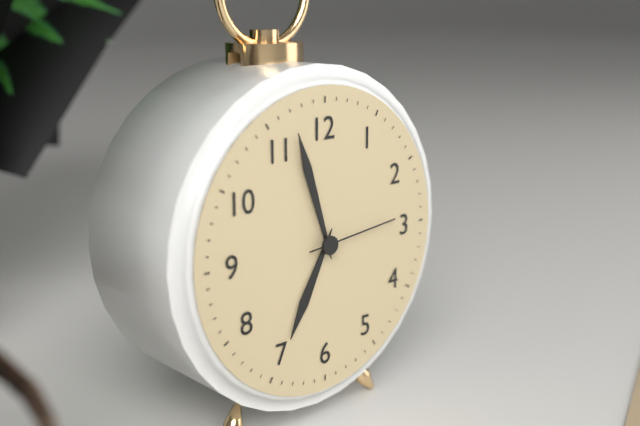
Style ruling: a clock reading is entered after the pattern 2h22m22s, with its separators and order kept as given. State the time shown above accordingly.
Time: 6h57m14s
